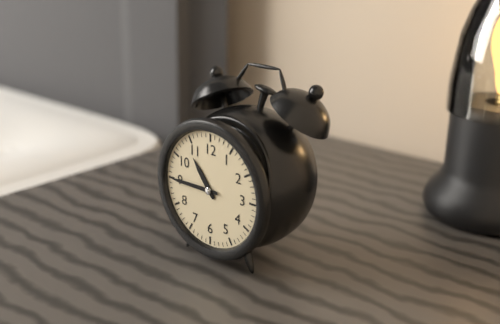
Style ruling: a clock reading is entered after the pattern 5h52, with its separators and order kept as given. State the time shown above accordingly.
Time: 10h45
